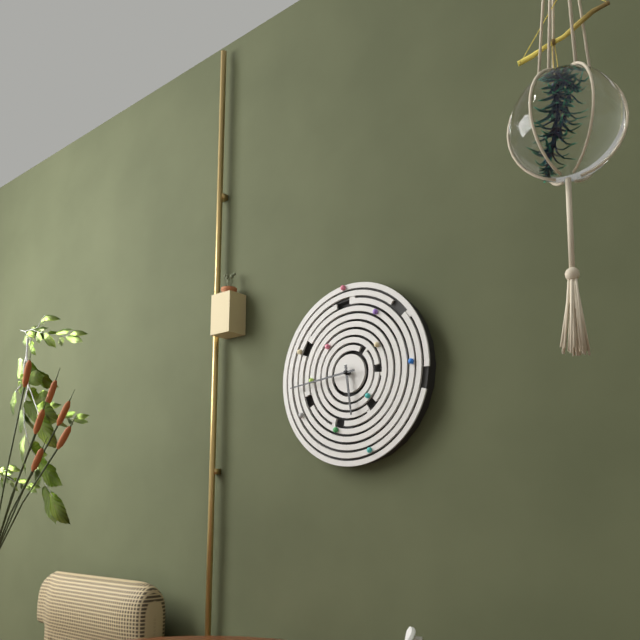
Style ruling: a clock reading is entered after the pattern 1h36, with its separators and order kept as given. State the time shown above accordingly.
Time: 5h44
